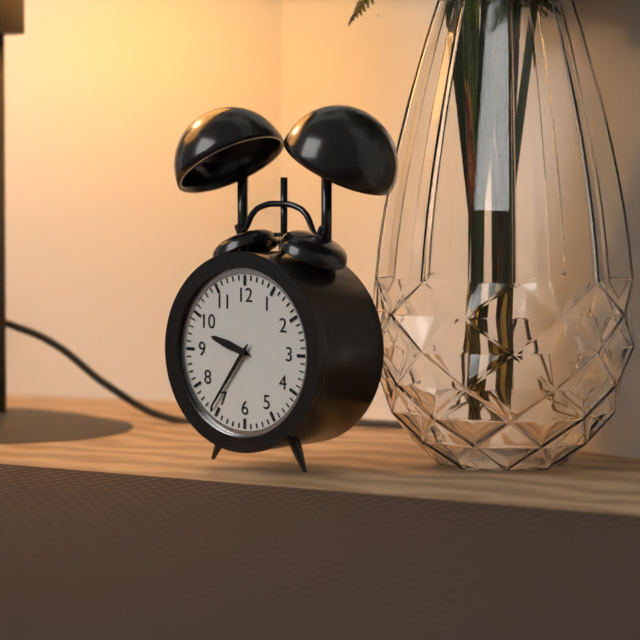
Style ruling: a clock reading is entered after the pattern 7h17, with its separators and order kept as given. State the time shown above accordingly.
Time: 9h36
